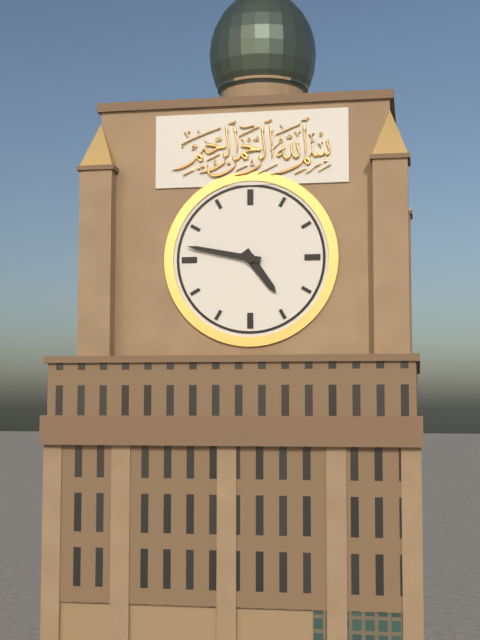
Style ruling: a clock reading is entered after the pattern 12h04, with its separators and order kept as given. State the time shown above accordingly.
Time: 4h47
